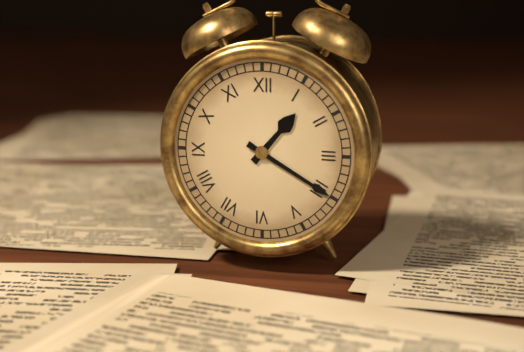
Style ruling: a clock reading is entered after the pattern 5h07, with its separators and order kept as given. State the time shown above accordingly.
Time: 1h20
